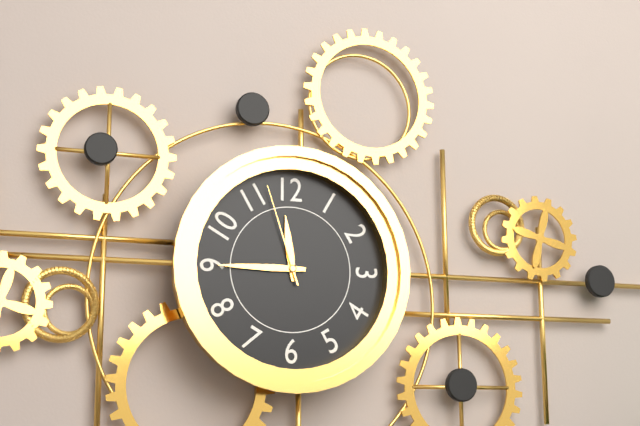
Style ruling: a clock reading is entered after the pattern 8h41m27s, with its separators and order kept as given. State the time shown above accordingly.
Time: 11h45m57s
